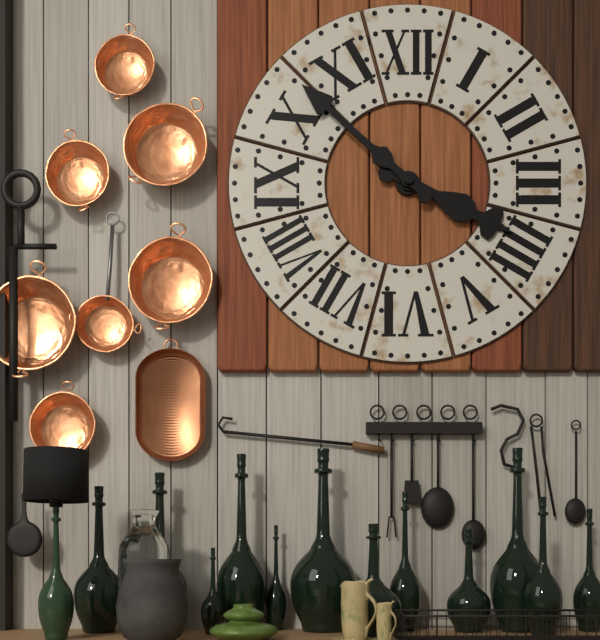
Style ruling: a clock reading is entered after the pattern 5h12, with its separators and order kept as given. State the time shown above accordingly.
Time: 3h52
